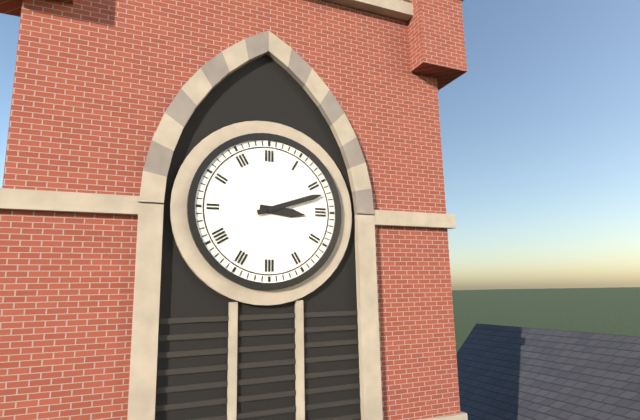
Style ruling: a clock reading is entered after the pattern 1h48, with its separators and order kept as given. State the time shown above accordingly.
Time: 3h12
